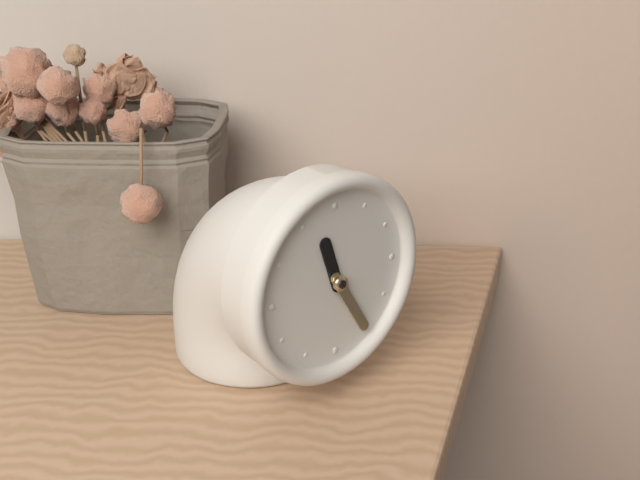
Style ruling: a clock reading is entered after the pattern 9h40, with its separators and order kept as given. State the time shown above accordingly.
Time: 11h25
